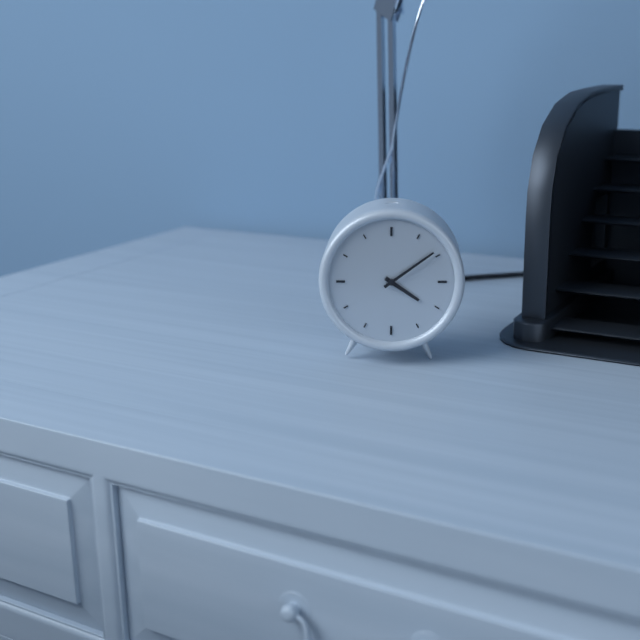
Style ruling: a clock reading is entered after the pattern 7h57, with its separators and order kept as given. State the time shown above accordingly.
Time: 4h09
